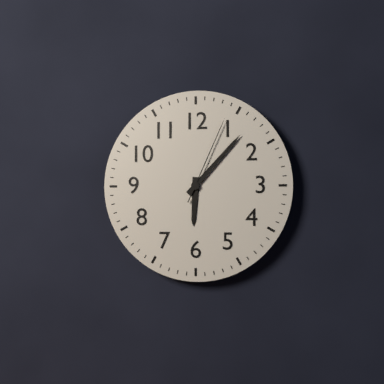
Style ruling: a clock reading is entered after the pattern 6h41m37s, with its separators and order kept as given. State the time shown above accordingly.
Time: 6h07m04s
